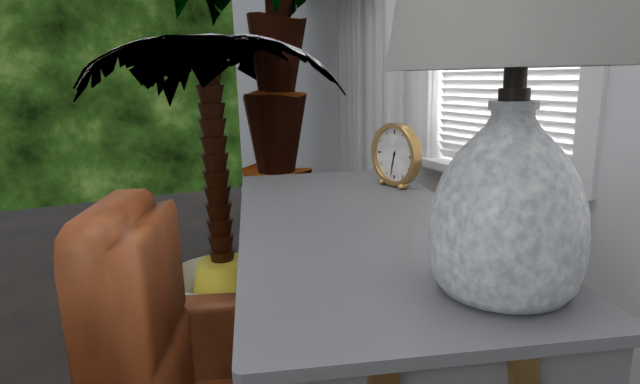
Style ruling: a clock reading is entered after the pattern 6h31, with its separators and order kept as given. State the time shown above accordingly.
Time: 6h32
